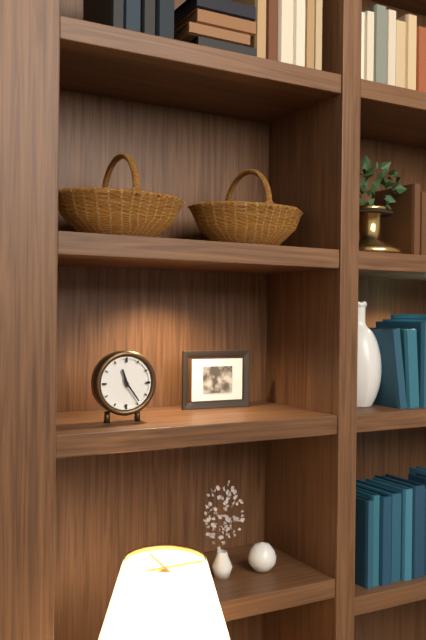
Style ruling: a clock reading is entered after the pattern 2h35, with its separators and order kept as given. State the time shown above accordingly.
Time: 11h24
